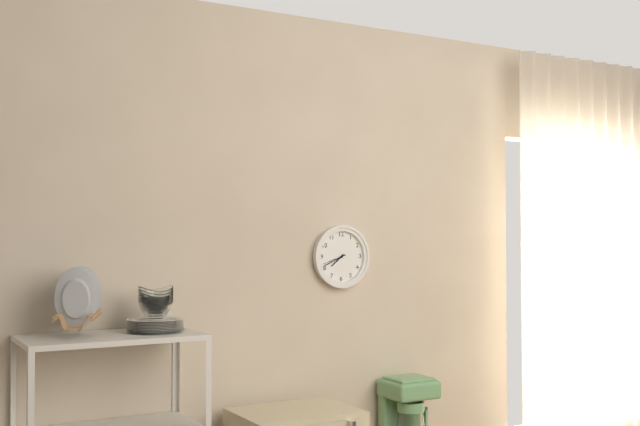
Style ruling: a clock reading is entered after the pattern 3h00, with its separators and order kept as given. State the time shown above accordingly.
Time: 7h41
